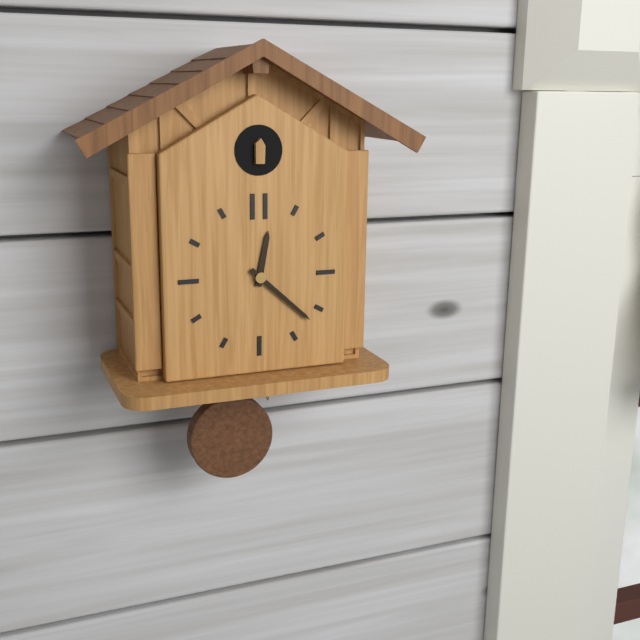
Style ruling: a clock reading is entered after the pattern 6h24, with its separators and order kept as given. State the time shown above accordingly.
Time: 12h22
